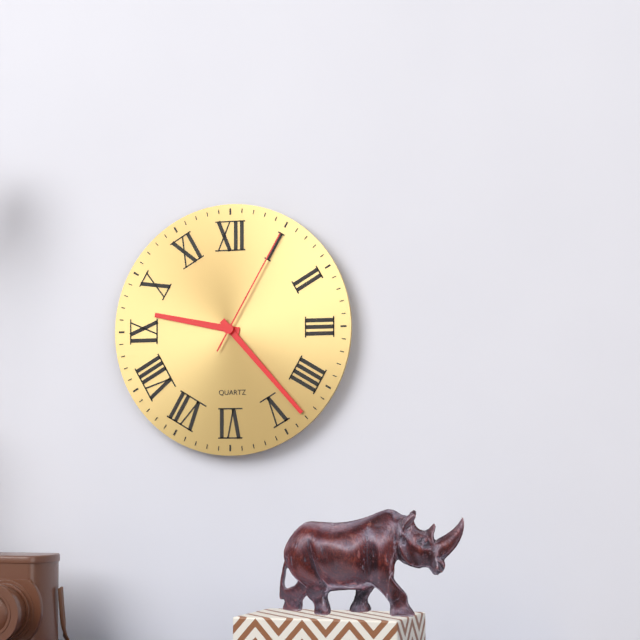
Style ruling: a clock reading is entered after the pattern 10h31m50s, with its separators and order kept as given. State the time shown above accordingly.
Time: 9h23m05s
